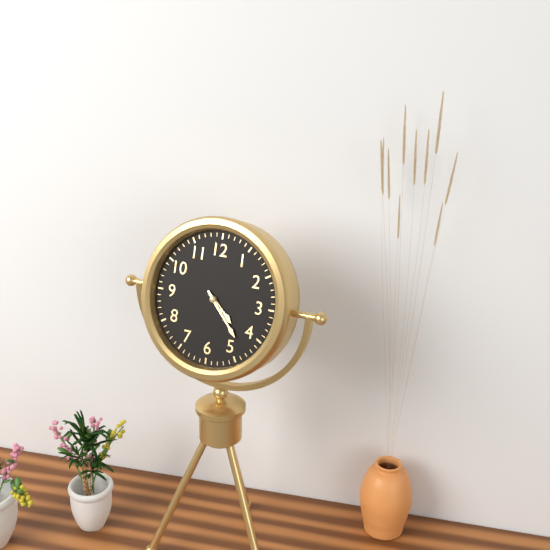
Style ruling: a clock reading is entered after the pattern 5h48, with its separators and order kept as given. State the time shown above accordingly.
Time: 4h23
